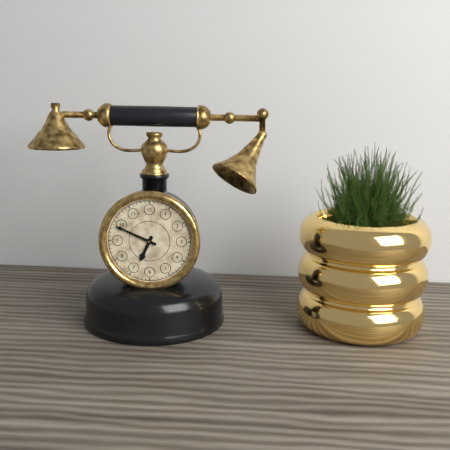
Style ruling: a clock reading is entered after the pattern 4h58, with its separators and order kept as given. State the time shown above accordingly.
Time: 6h49
